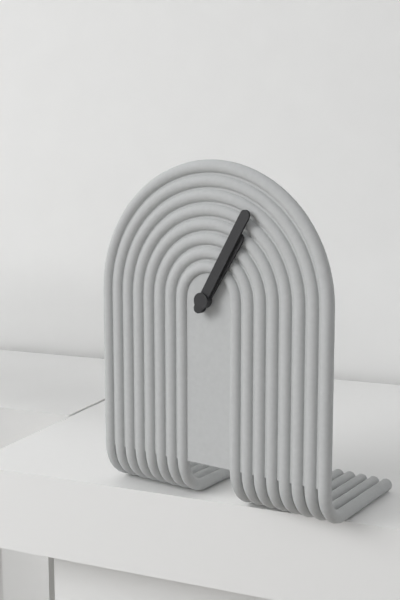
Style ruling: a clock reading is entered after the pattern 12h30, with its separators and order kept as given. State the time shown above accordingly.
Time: 1h05
